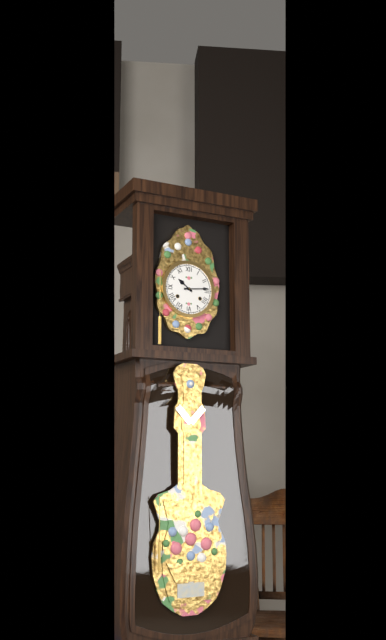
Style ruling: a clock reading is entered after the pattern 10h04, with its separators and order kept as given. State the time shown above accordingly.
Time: 10h14
